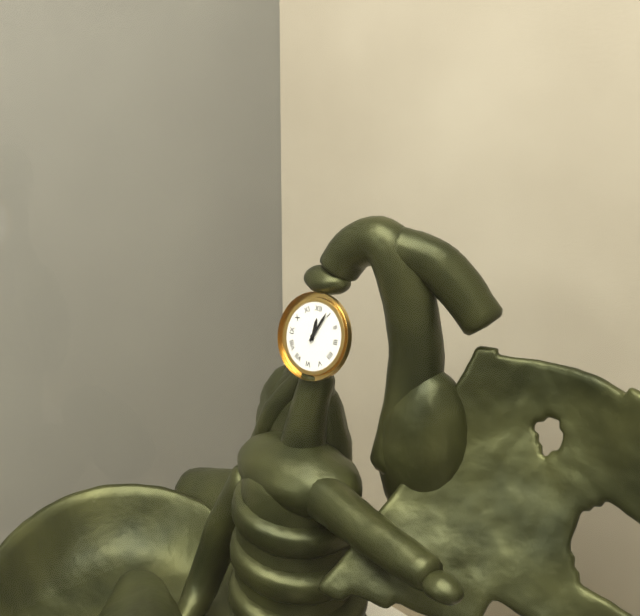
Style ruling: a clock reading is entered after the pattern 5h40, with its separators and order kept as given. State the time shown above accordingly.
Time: 12h04
